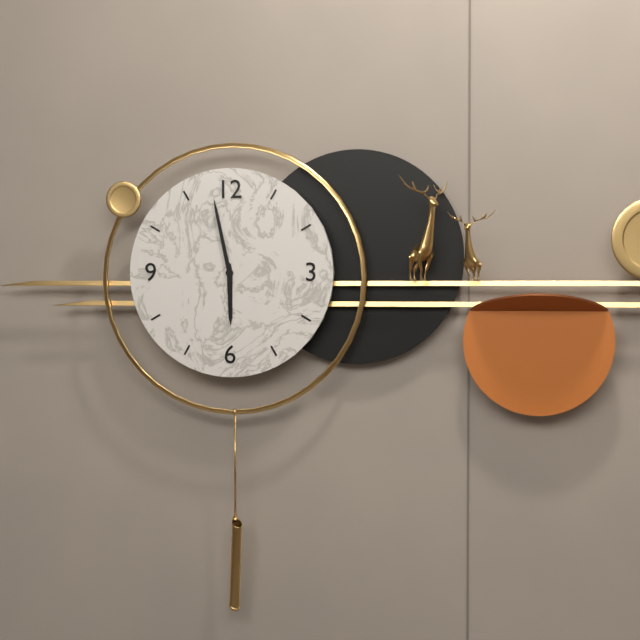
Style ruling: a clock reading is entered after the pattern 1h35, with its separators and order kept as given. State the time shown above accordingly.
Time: 5h58
